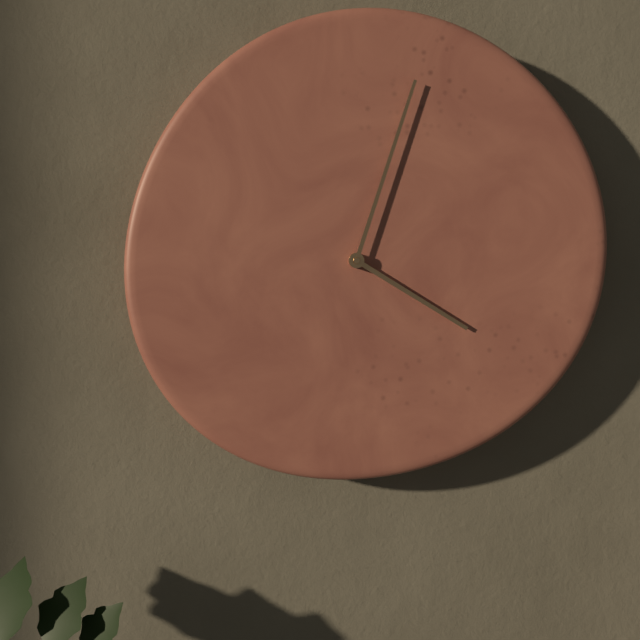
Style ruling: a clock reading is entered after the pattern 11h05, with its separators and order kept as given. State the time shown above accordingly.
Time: 4h03
